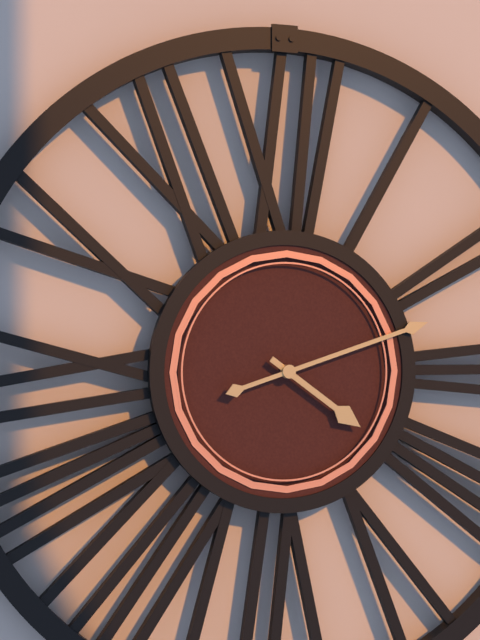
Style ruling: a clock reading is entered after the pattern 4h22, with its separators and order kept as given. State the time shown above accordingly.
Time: 4h12
